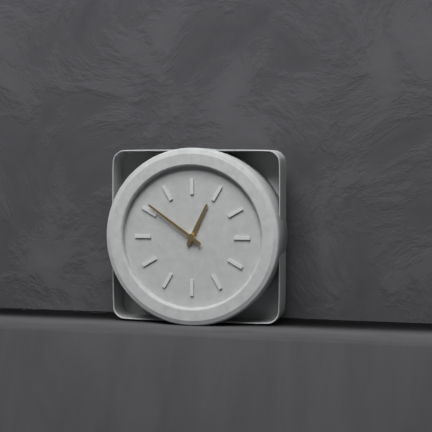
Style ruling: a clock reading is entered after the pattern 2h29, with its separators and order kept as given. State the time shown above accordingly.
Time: 12h51
